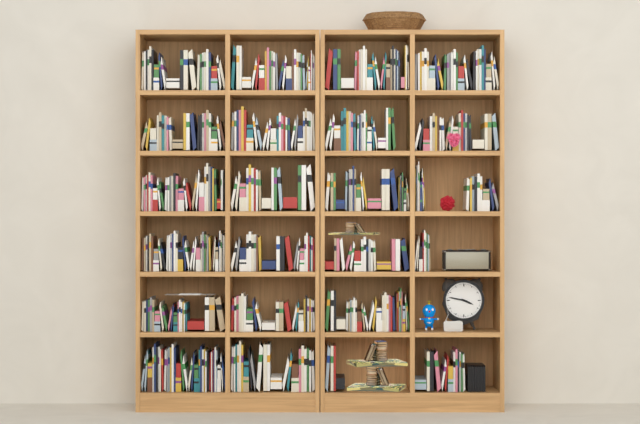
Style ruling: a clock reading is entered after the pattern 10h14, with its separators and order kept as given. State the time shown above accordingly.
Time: 3h47
